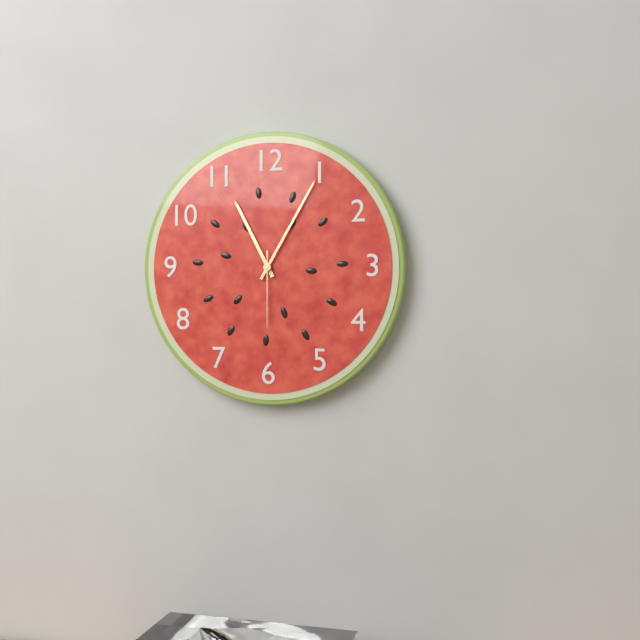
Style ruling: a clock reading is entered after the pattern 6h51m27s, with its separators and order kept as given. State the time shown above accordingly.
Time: 11h05m30s
